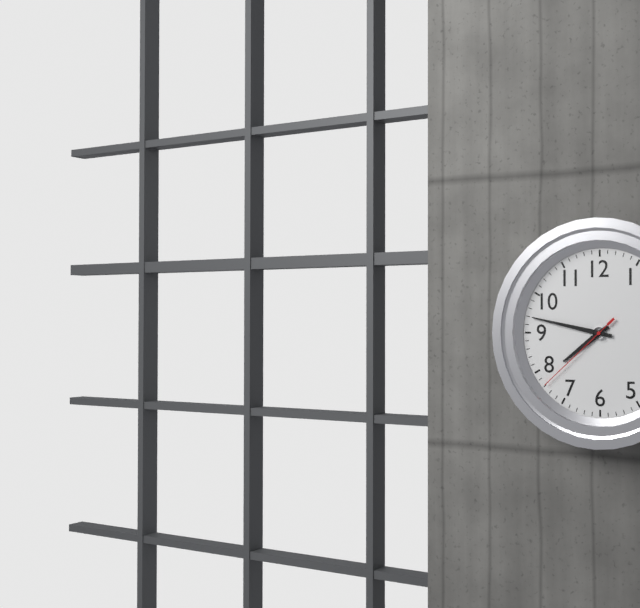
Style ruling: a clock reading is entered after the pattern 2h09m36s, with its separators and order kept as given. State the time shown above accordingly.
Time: 7h47m38s
